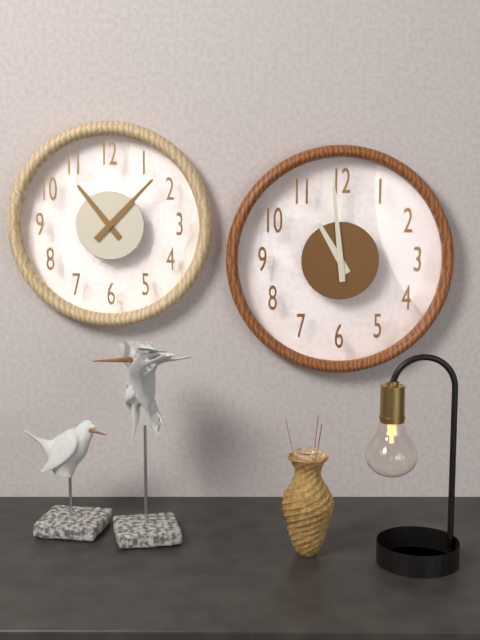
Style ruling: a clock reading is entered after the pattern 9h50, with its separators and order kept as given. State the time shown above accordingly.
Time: 10h59
